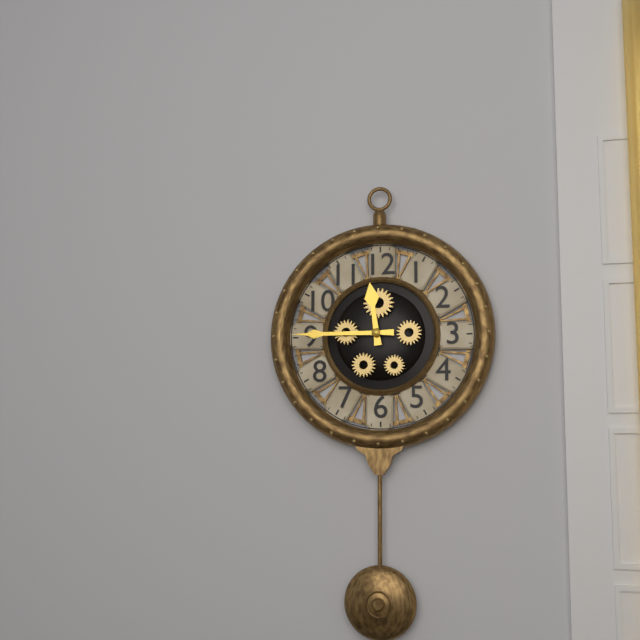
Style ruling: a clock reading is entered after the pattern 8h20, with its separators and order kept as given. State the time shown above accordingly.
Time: 11h45
